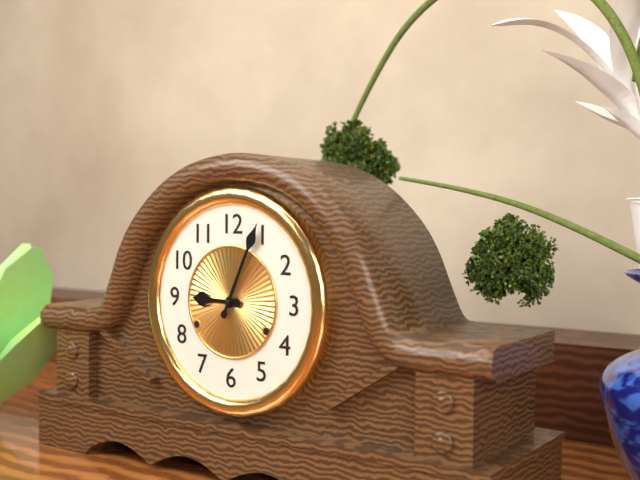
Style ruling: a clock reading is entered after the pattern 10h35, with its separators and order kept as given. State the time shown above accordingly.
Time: 9h04
